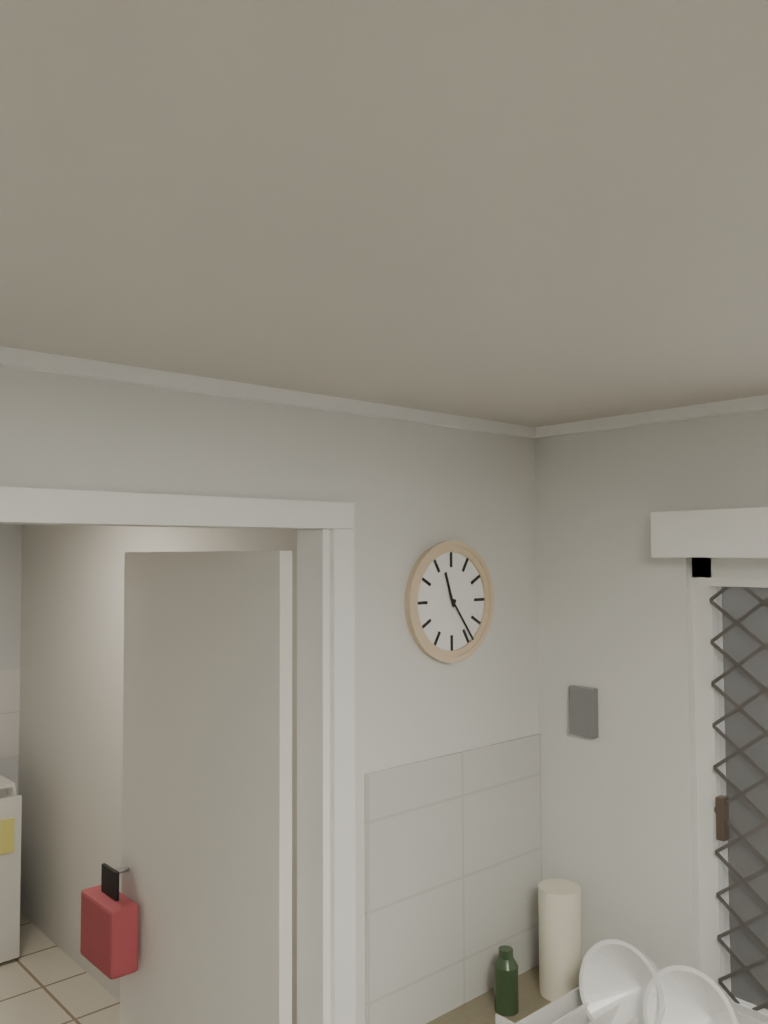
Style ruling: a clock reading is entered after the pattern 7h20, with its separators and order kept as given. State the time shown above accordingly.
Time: 11h24
